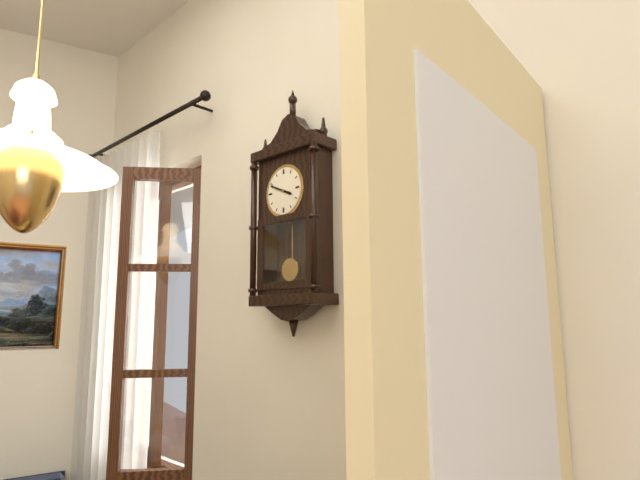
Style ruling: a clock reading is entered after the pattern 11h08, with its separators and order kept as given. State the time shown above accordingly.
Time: 3h49
